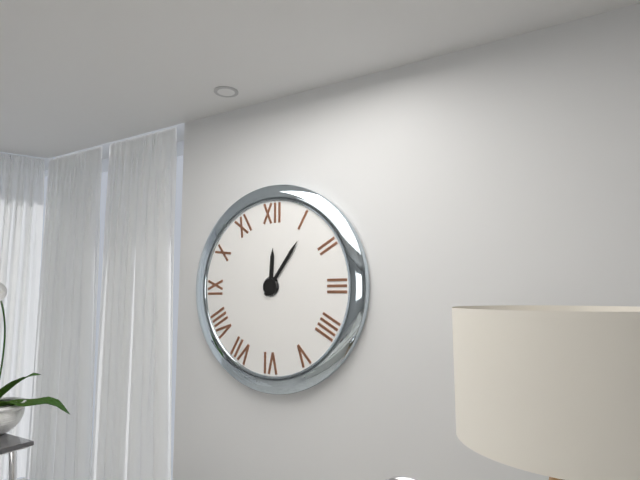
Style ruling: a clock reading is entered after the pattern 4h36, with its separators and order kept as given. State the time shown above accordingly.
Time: 12h06
